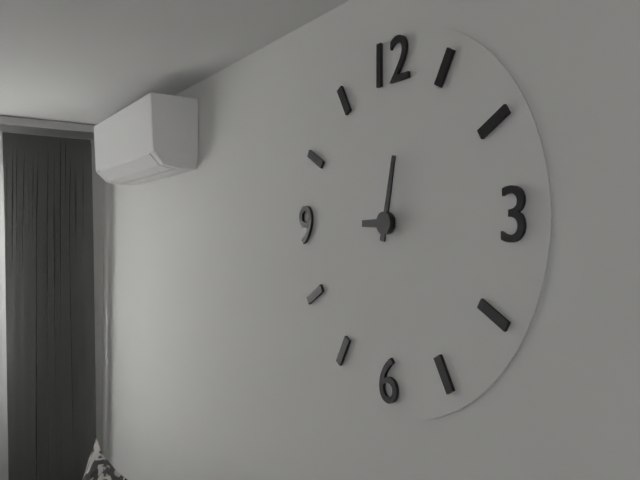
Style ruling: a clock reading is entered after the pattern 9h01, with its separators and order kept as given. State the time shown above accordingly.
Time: 9h02
